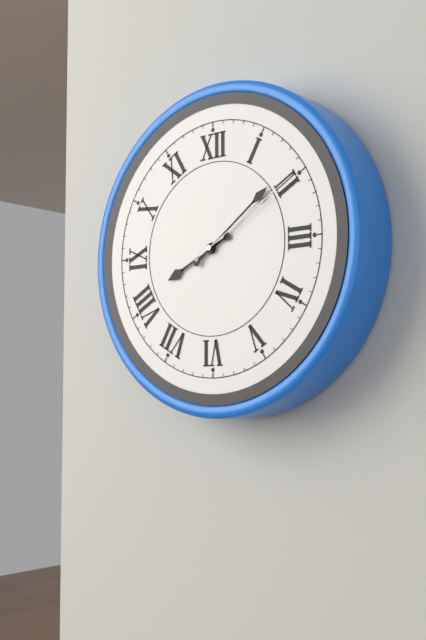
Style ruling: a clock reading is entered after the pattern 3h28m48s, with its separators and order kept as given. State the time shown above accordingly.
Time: 8h09m10s
